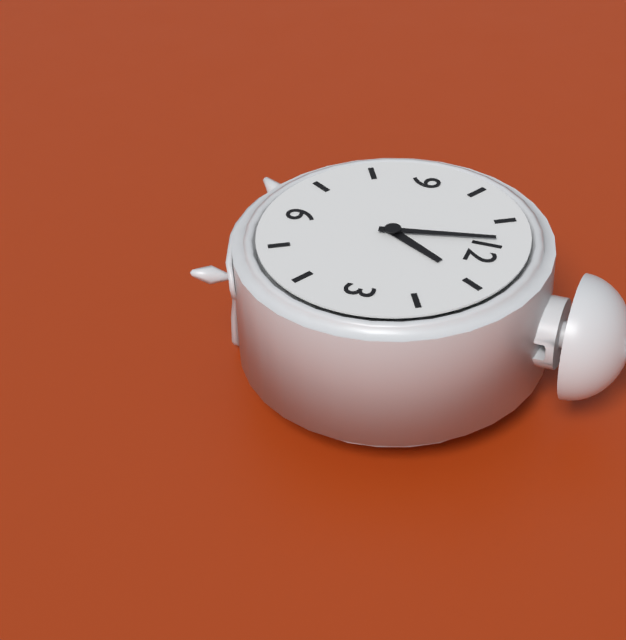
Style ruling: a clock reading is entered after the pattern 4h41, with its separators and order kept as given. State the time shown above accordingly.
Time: 12h58
